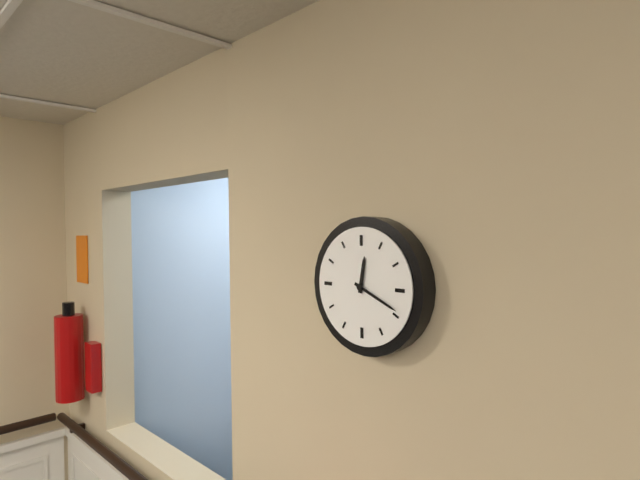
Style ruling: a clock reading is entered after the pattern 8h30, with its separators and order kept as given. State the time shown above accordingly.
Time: 12h19
